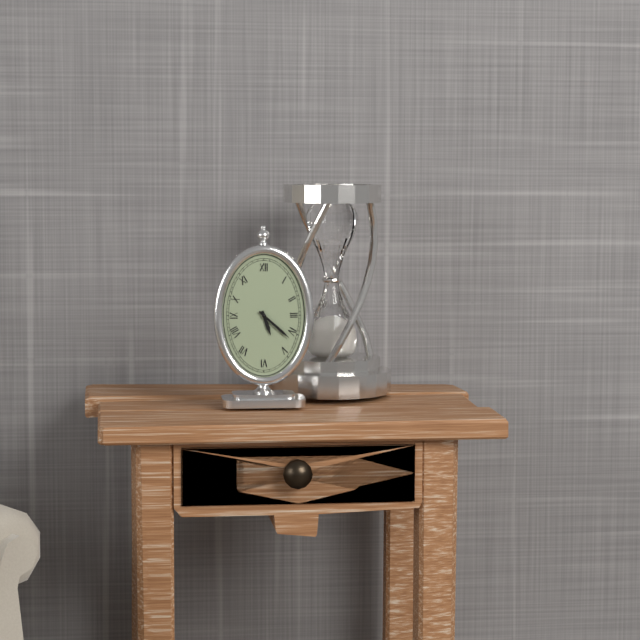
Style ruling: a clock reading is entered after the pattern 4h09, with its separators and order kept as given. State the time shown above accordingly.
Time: 5h22
